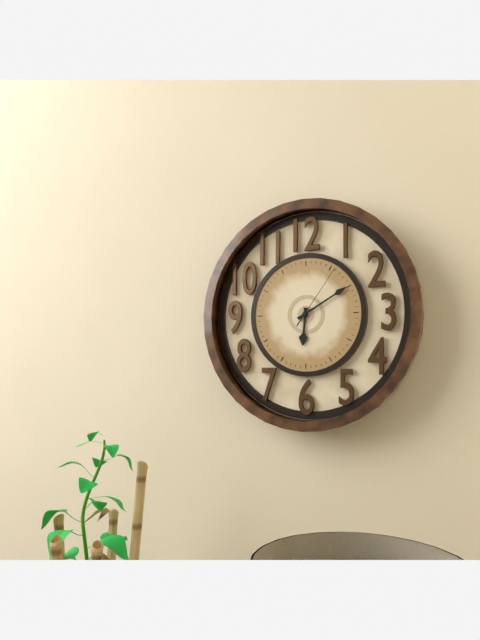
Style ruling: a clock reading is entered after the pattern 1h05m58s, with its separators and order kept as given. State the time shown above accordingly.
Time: 6h10m06s
